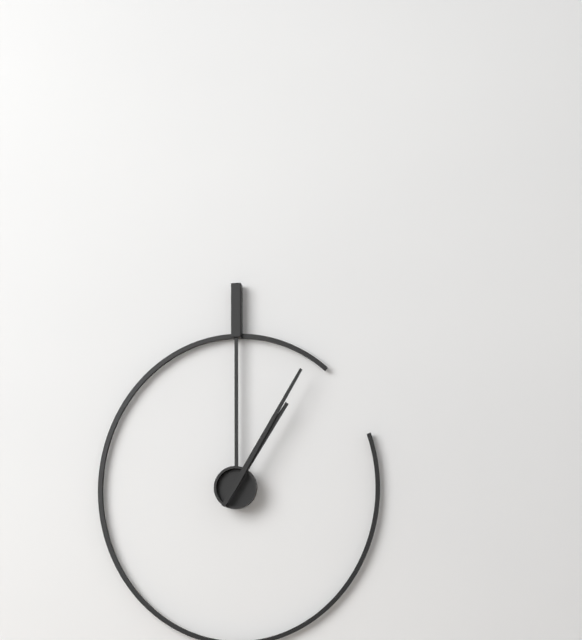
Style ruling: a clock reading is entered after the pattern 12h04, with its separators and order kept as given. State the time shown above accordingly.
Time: 1h05
